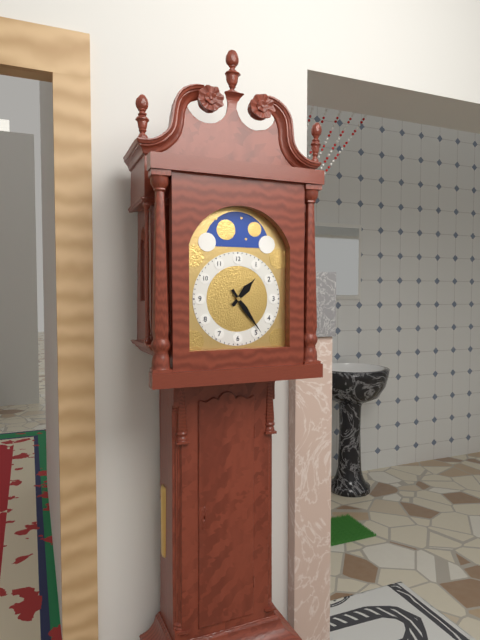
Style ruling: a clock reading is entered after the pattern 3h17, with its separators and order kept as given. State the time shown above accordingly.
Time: 1h24
